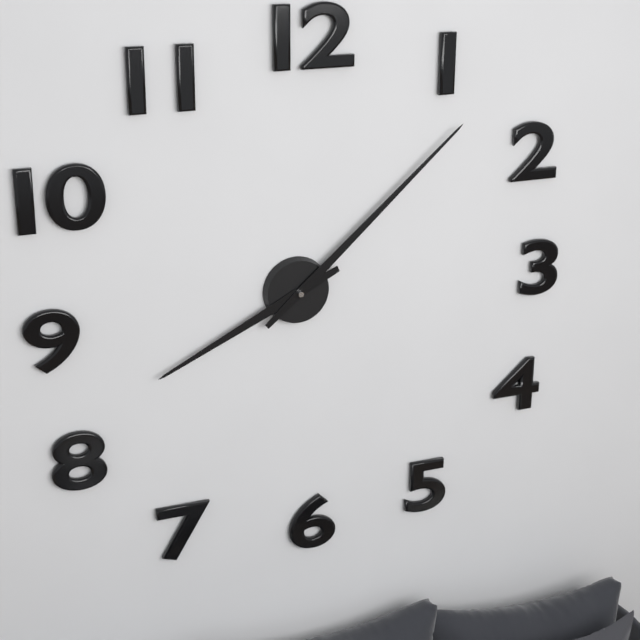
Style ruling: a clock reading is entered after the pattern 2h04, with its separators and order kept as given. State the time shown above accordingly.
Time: 8h08
